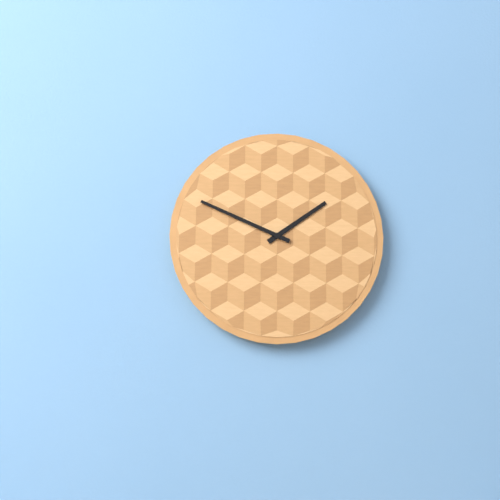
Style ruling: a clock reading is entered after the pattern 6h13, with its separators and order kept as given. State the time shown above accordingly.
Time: 1h49
